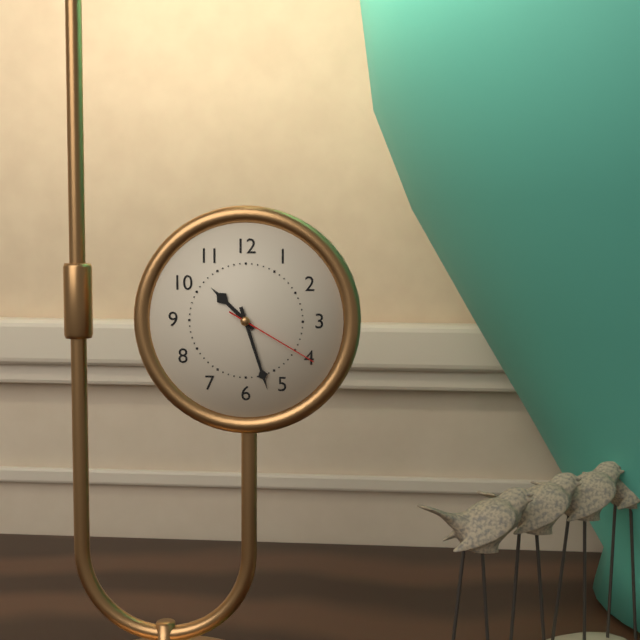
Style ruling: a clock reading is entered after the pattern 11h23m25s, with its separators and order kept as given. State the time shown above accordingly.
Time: 10h27m20s
